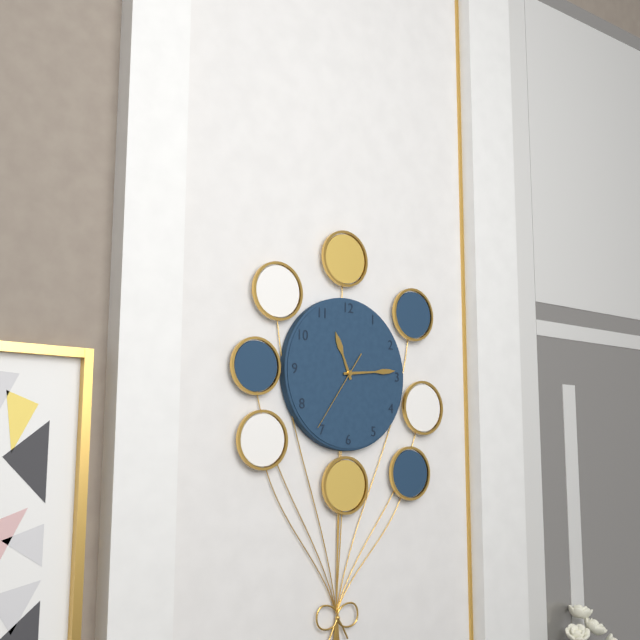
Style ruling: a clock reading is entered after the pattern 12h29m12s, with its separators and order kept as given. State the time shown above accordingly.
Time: 11h14m36s
